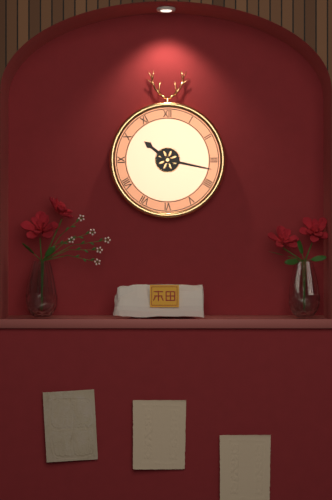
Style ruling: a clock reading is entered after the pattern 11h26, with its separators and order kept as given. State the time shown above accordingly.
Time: 10h17
